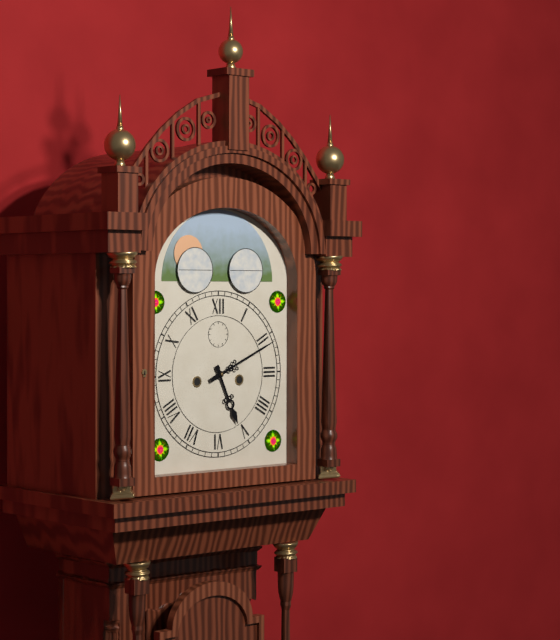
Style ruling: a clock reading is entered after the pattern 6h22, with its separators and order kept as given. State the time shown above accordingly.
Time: 5h11
